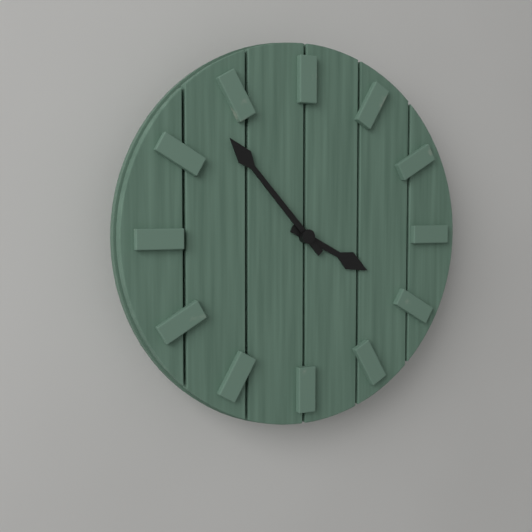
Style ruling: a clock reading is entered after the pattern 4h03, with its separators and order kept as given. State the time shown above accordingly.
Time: 3h53
